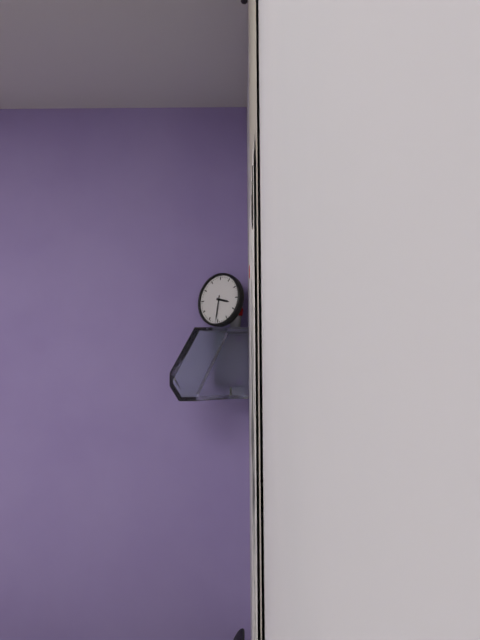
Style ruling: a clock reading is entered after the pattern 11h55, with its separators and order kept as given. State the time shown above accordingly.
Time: 3h31
